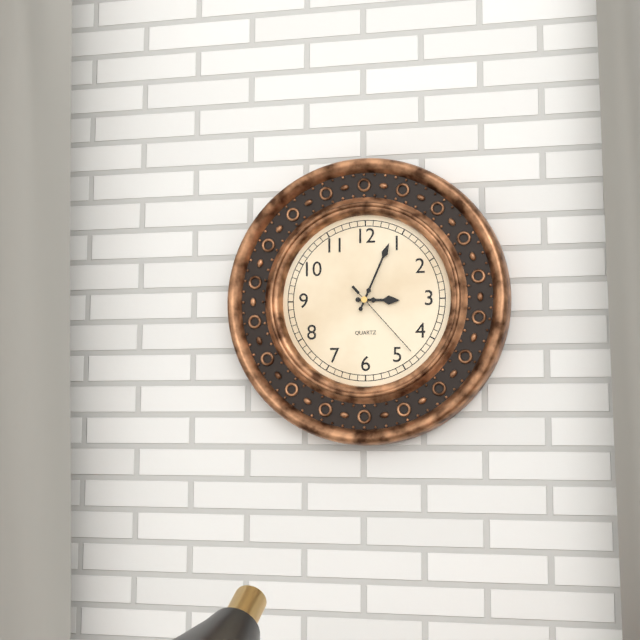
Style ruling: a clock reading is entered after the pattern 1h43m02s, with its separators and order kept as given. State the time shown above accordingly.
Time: 3h04m23s
